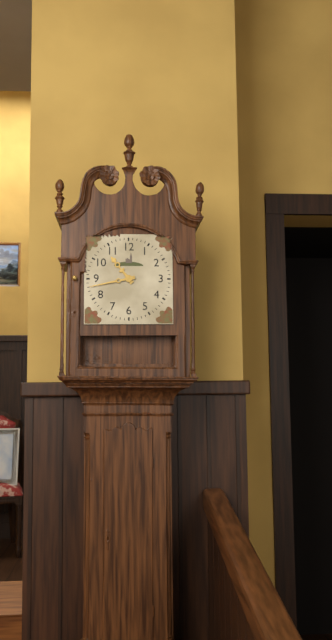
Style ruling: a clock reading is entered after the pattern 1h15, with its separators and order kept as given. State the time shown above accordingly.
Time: 10h43
